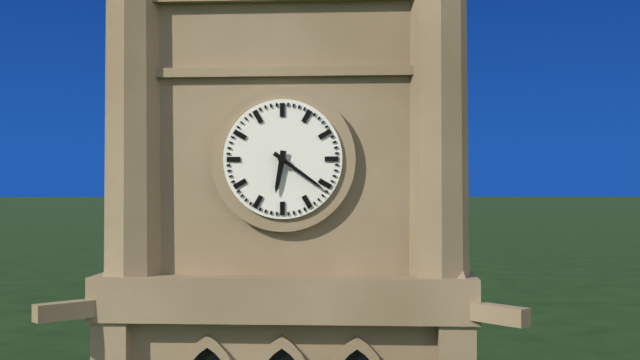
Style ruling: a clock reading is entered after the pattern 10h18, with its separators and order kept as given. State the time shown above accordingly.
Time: 6h21
